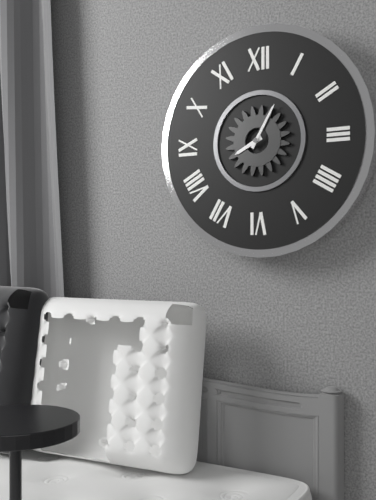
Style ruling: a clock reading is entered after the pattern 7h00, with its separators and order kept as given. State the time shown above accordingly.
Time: 8h05
